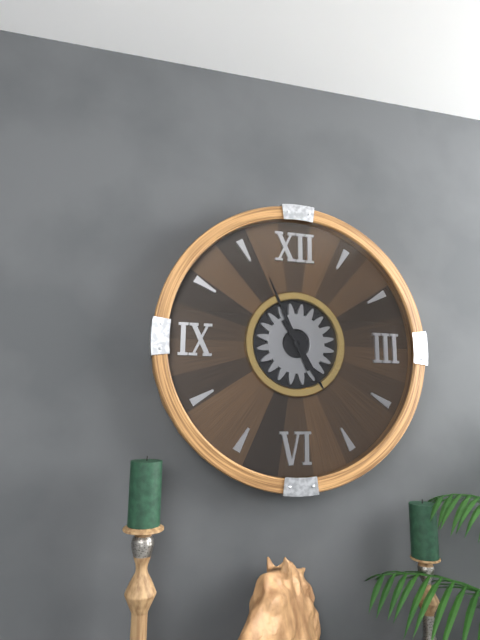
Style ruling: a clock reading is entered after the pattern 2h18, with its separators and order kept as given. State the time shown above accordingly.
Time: 4h56
